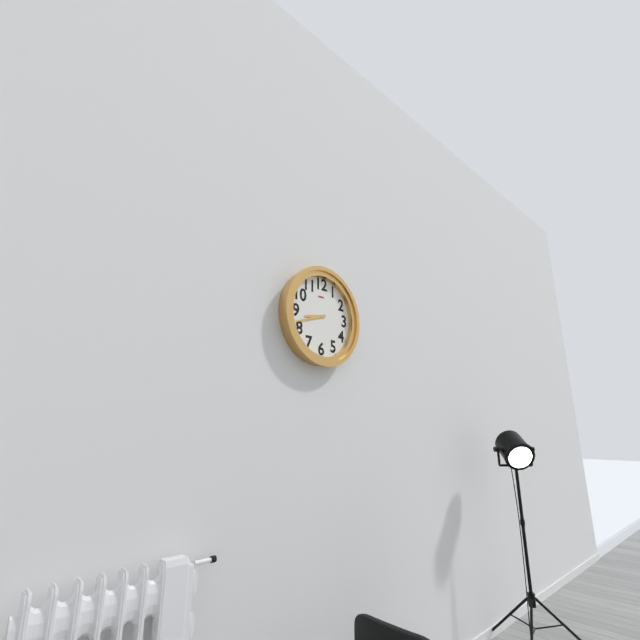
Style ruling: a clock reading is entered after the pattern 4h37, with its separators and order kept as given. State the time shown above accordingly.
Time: 8h42
